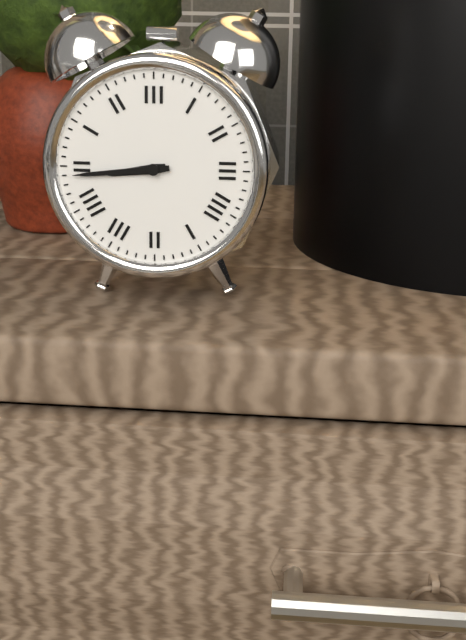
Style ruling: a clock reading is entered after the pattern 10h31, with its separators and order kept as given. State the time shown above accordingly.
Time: 8h44
